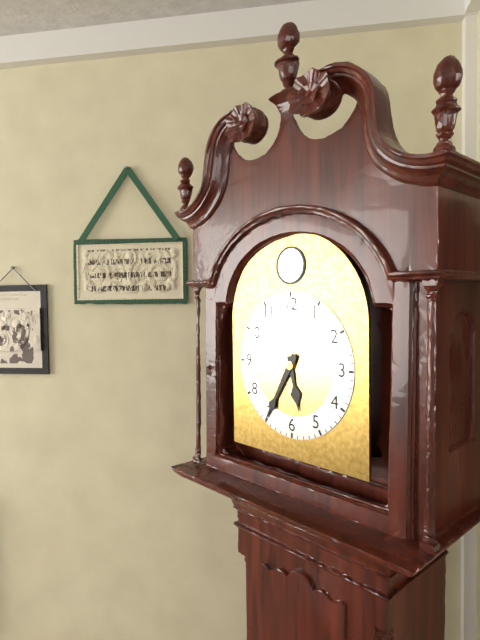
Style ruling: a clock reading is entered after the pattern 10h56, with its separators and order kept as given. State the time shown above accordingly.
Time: 5h35
